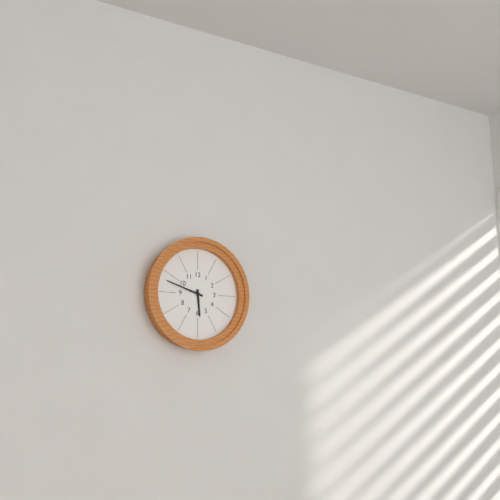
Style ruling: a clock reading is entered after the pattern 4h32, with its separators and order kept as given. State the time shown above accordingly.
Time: 5h48
